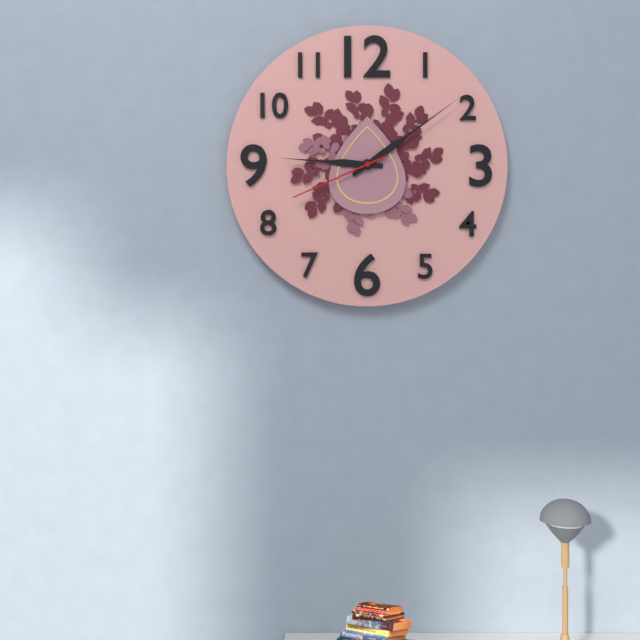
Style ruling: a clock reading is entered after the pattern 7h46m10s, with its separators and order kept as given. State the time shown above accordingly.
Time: 9h09m41s
